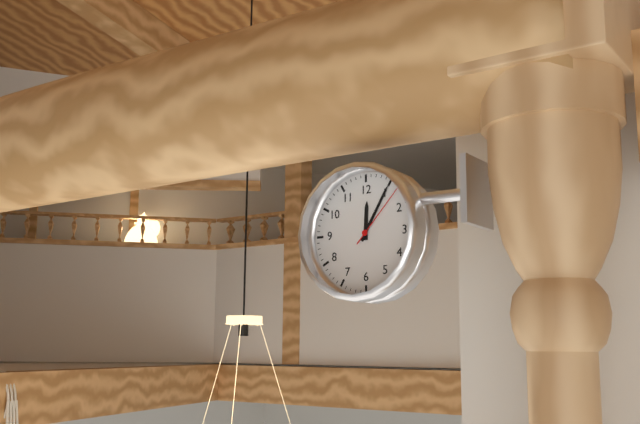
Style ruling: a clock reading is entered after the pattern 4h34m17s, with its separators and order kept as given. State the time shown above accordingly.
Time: 12h05m07s
